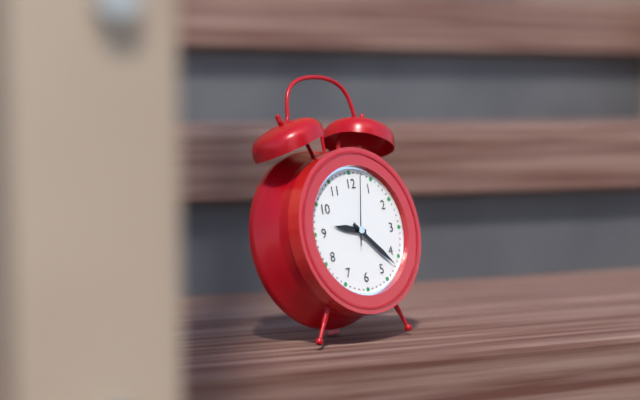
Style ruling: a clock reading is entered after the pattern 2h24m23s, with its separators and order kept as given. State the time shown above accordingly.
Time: 9h22m02s
